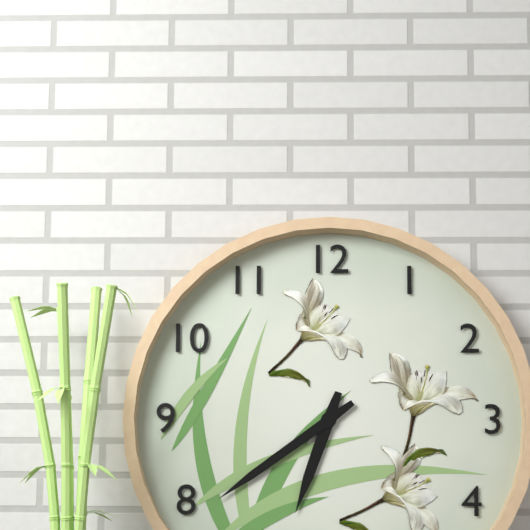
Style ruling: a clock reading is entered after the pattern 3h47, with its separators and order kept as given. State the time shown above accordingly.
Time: 6h39
